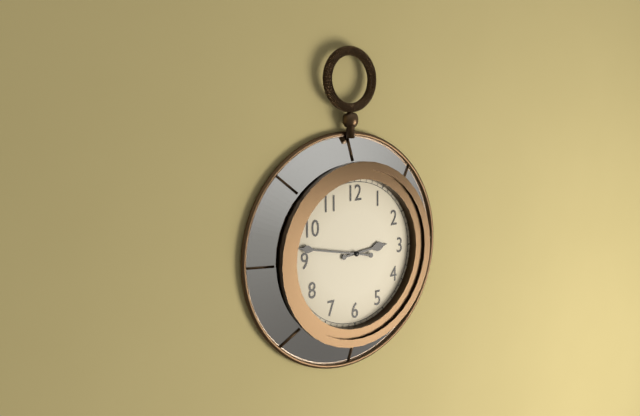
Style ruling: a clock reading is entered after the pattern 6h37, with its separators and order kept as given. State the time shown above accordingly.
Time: 2h47
